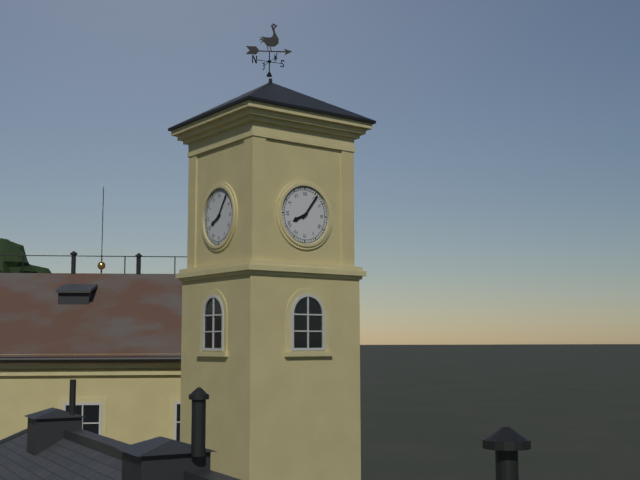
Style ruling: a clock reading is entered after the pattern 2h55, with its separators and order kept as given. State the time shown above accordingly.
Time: 8h06
